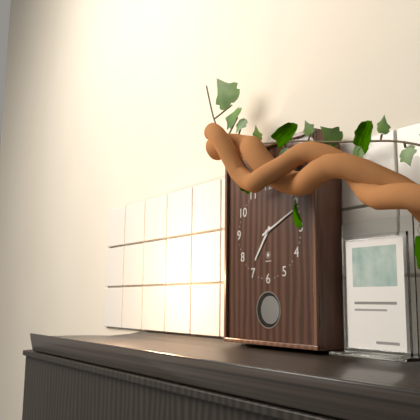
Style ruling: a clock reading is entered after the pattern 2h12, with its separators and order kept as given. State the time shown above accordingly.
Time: 7h11
